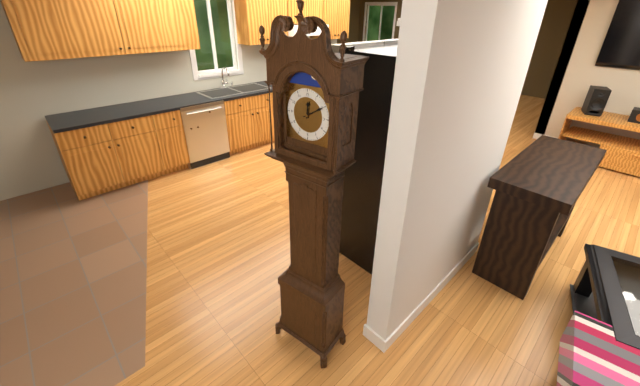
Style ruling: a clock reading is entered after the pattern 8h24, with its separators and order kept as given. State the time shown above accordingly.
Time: 12h10
